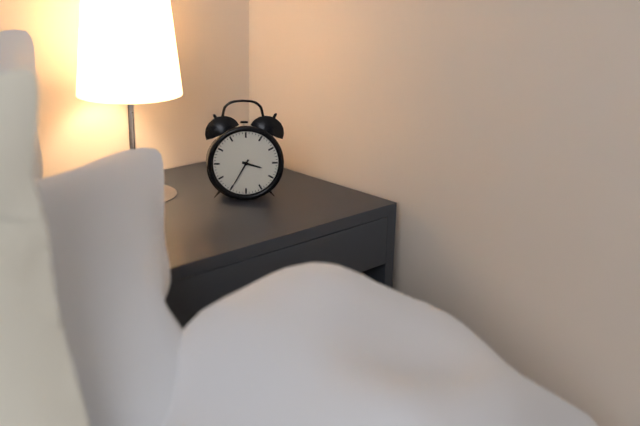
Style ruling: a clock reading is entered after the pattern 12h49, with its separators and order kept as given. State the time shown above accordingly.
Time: 3h35
